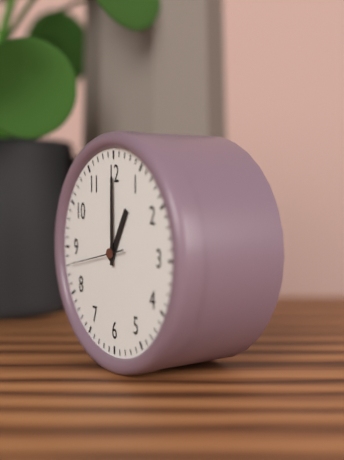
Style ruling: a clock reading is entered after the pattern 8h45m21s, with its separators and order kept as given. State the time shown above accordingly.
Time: 1h00m43s
